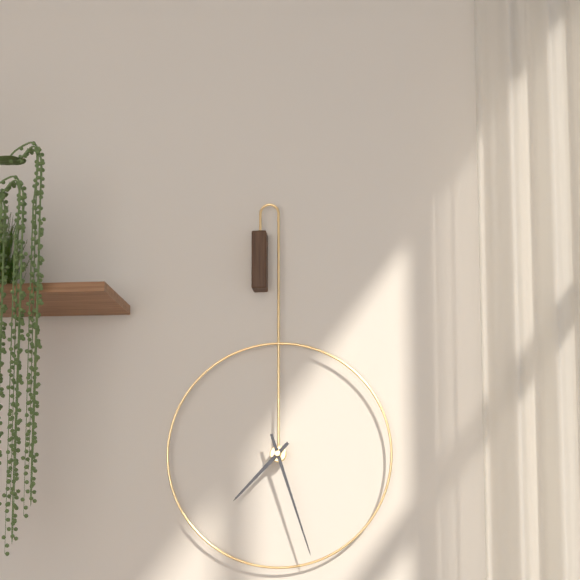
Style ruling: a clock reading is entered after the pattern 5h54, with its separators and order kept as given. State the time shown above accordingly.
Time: 7h27
